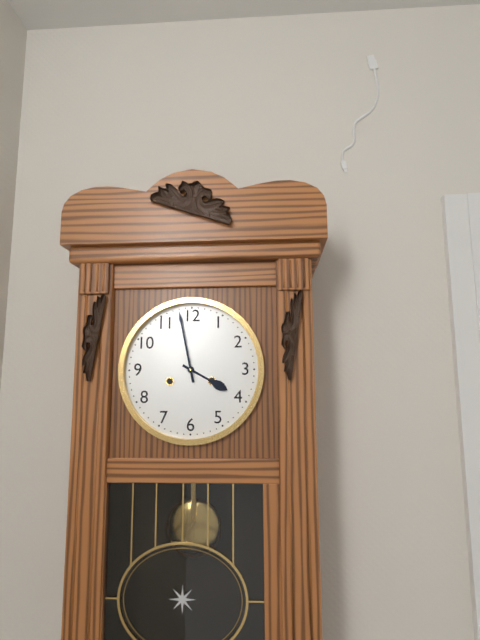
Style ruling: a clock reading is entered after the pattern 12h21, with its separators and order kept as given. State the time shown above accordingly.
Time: 3h58
